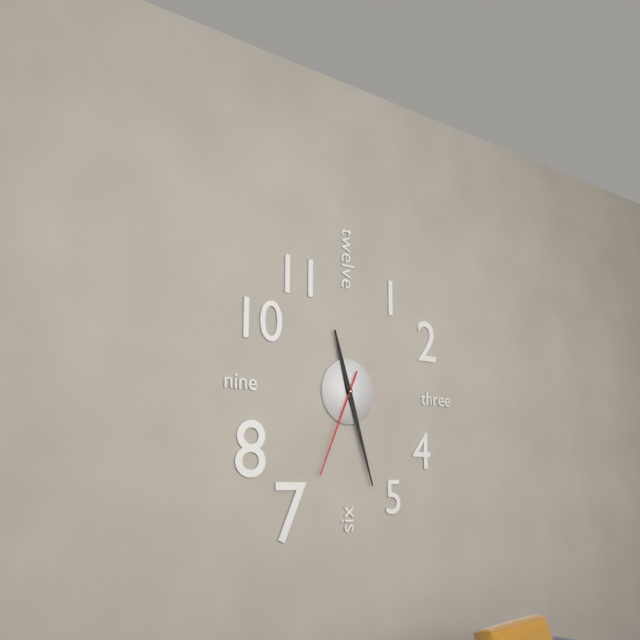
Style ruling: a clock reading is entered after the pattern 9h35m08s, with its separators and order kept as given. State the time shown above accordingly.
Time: 11h27m34s
